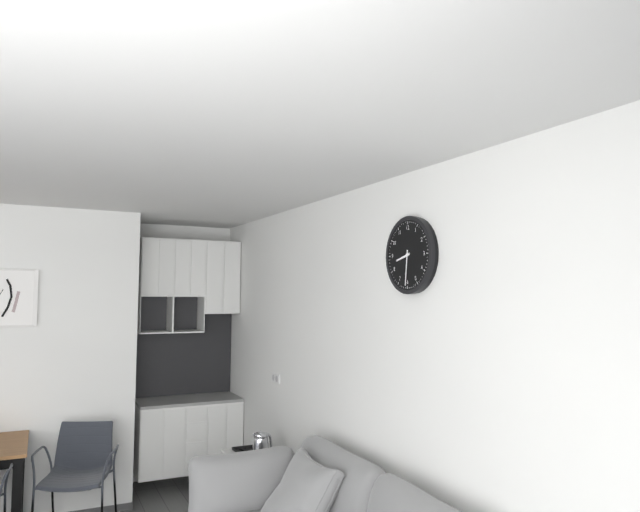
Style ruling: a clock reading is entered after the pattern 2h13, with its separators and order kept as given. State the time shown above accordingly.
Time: 8h31
